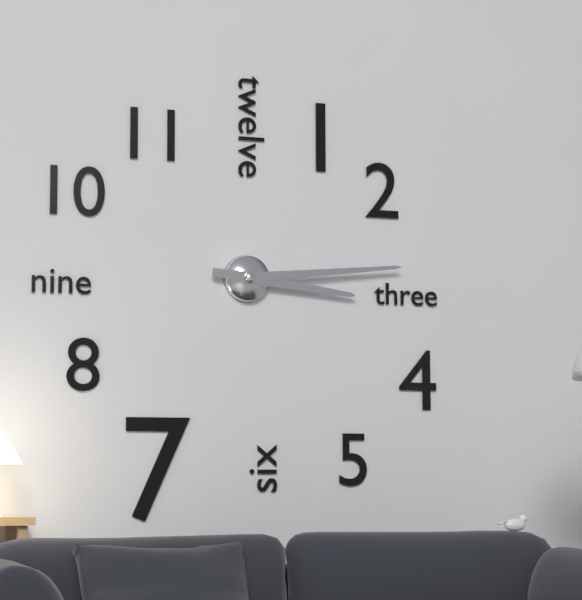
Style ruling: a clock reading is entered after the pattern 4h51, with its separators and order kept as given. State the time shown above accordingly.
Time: 3h14
